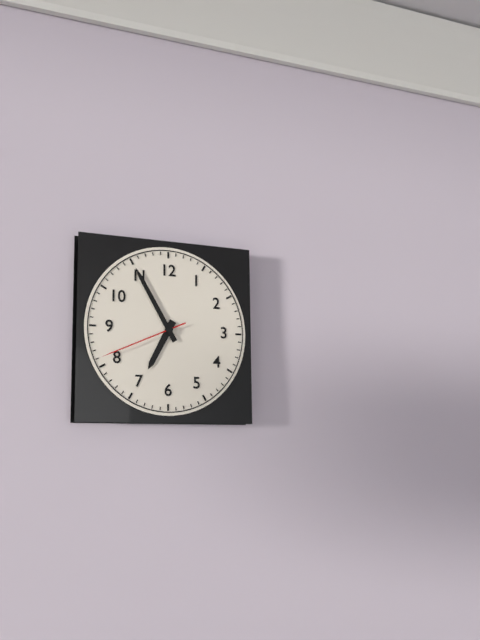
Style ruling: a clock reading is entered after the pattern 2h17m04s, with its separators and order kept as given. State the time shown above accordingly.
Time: 6h55m41s
